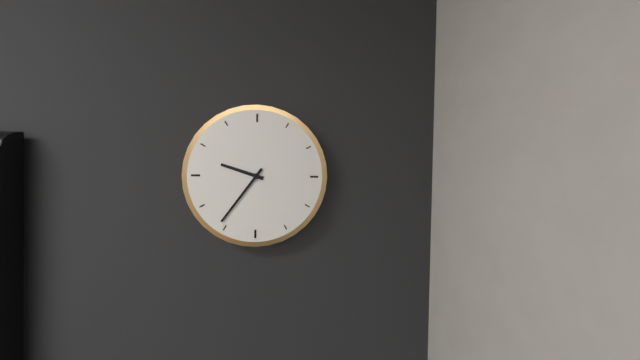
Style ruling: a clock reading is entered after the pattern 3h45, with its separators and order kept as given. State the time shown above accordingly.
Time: 9h36
